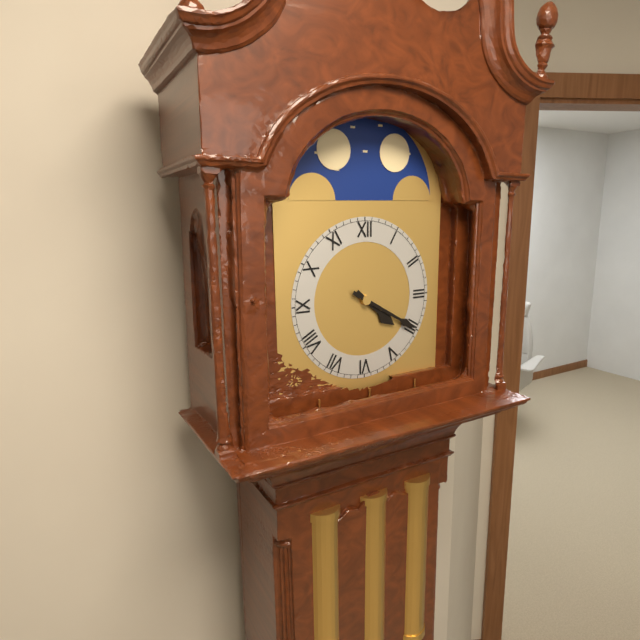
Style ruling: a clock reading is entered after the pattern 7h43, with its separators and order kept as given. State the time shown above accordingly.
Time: 4h20
